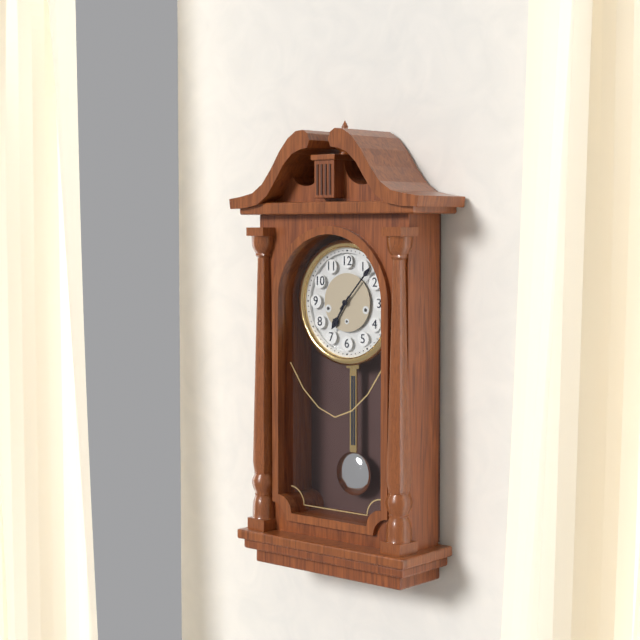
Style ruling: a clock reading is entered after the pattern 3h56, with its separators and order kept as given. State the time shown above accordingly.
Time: 7h07
